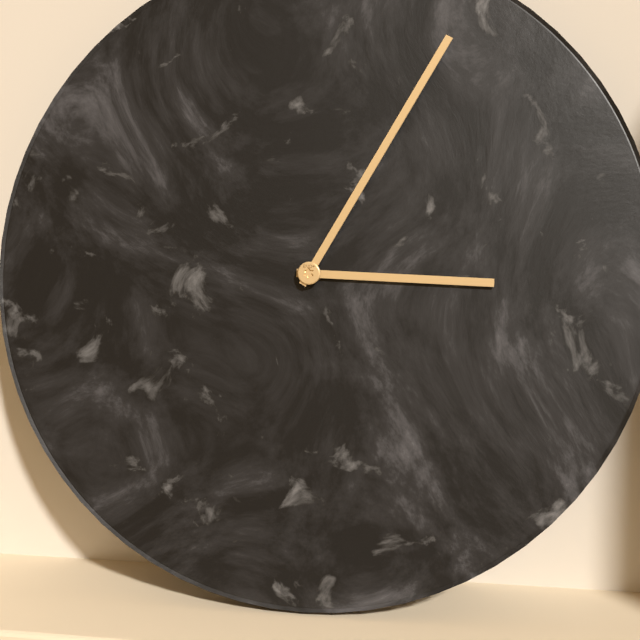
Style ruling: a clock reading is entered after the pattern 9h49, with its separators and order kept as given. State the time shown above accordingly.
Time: 3h05
